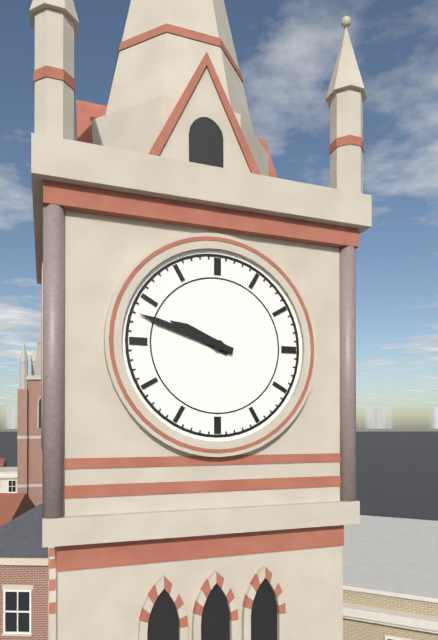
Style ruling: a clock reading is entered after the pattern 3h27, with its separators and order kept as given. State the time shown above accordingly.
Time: 9h48
